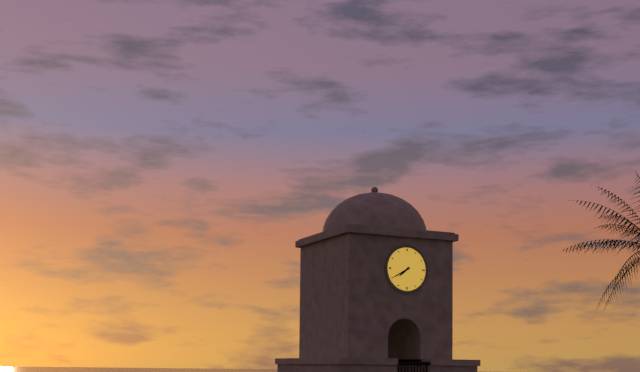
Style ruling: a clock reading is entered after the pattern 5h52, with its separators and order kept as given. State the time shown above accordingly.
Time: 7h40
